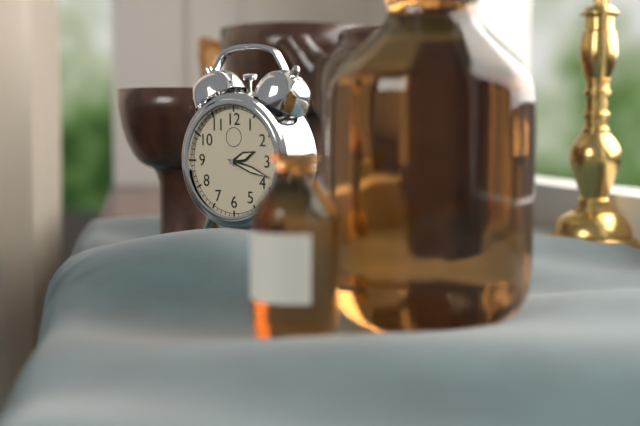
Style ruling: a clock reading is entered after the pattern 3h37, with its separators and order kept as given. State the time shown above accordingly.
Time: 2h18
